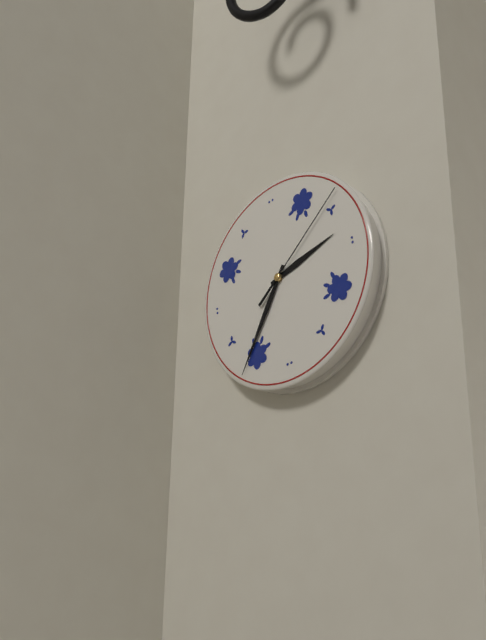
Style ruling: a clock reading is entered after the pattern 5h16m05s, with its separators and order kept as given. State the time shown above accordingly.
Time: 2h36m09s
